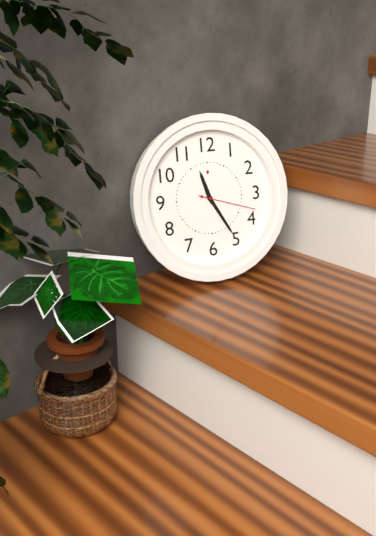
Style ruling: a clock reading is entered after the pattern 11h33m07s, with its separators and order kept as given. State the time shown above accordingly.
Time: 11h25m18s
